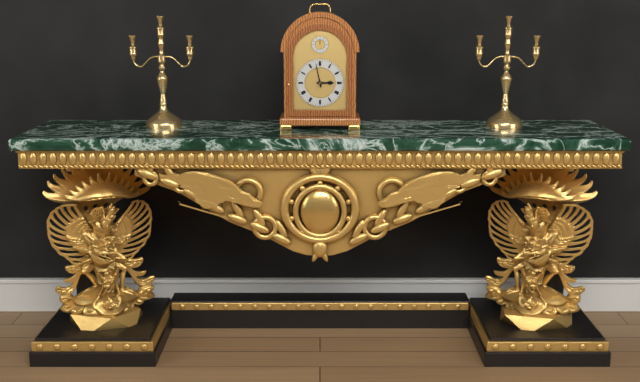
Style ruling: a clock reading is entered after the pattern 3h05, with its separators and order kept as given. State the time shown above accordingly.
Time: 2h58
